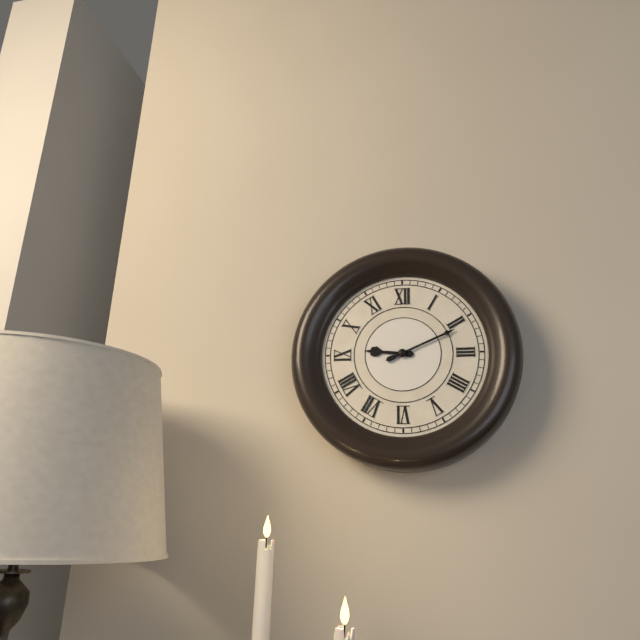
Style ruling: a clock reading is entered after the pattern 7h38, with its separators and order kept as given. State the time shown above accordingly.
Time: 9h11
